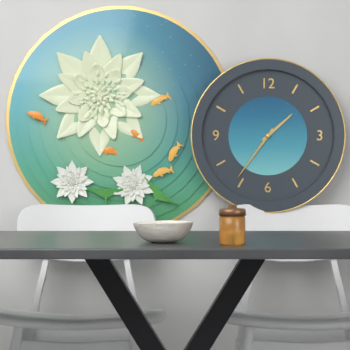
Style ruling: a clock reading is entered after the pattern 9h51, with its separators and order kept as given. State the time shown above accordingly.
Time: 1h36
